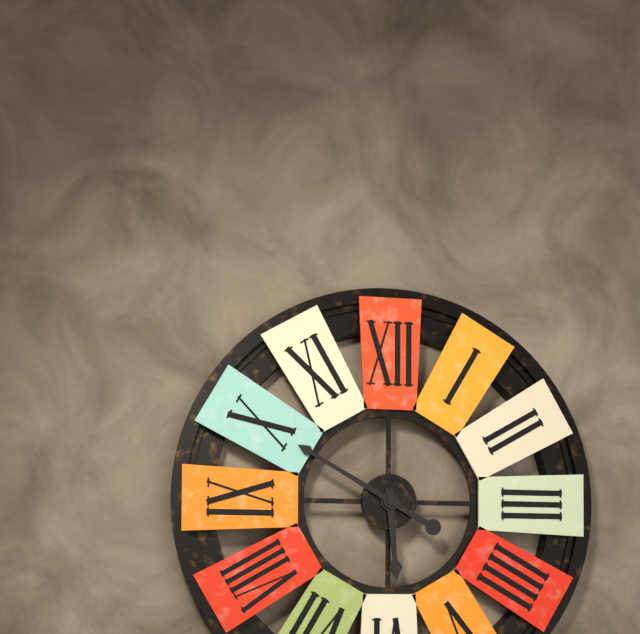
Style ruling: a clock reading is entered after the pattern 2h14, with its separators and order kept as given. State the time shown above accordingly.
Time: 5h50
